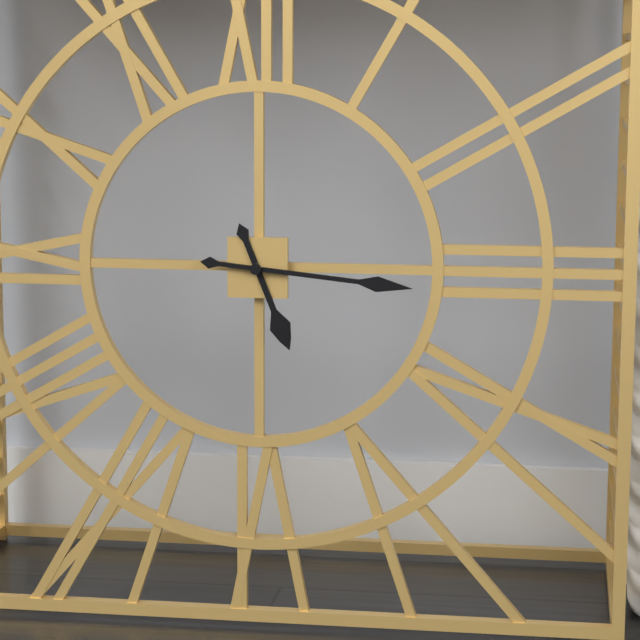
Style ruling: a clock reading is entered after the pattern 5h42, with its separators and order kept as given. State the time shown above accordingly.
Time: 5h16
